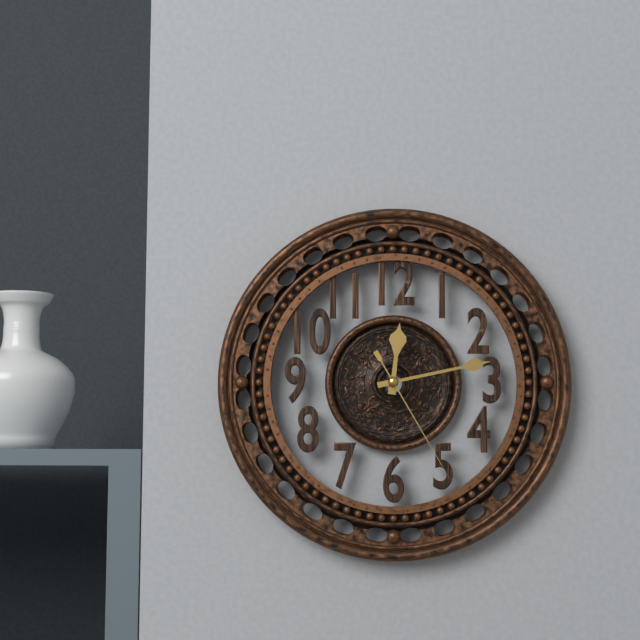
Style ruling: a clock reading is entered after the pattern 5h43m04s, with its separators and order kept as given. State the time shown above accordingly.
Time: 12h13m25s
